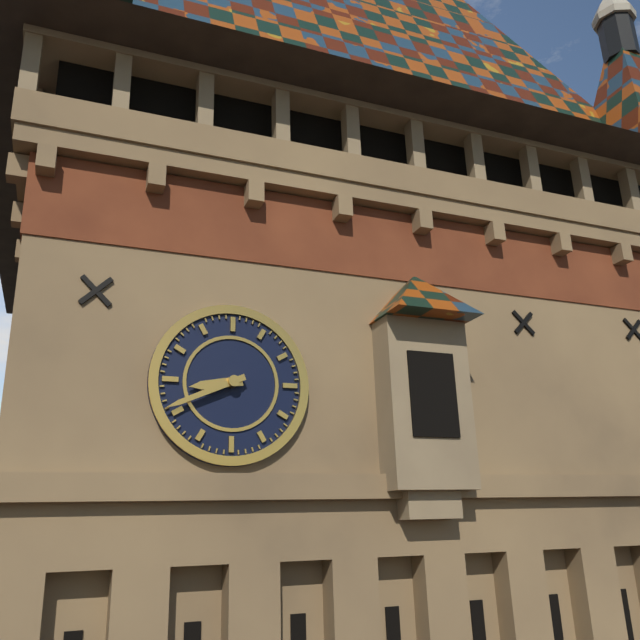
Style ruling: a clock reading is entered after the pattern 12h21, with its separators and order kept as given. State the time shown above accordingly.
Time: 8h41
